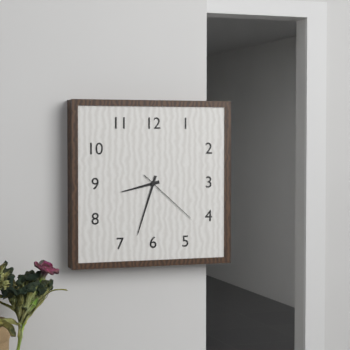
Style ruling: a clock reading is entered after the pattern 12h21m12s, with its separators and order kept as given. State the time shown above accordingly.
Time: 8h33m22s
